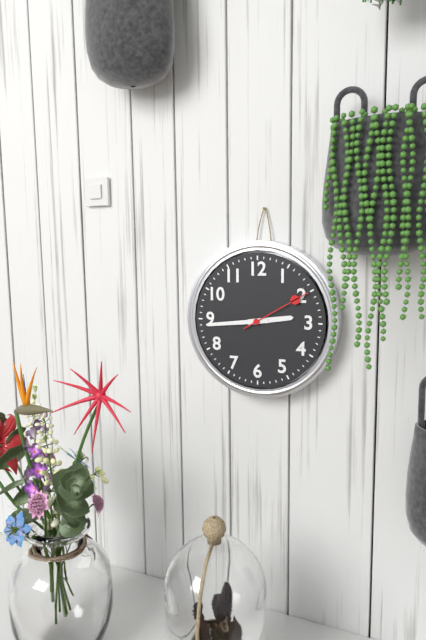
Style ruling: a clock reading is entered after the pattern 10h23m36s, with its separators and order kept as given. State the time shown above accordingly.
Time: 2h44m10s
